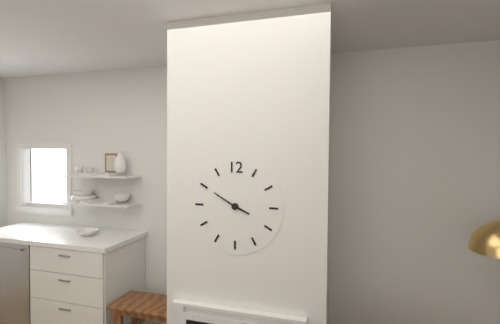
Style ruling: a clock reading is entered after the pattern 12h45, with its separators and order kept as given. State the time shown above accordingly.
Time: 3h50
